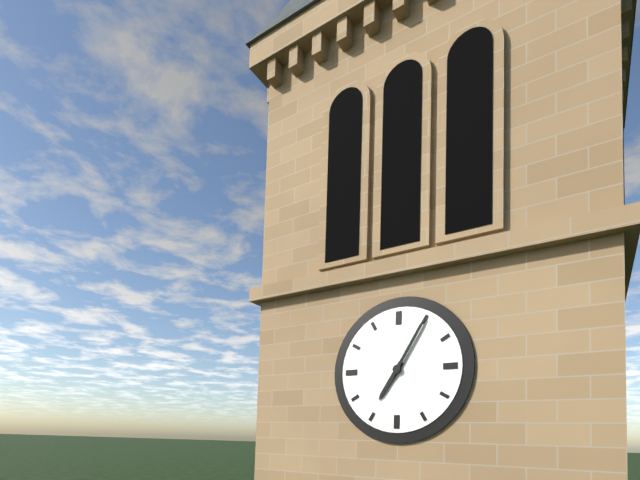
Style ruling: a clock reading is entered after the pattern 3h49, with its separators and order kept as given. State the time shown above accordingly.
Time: 7h05
